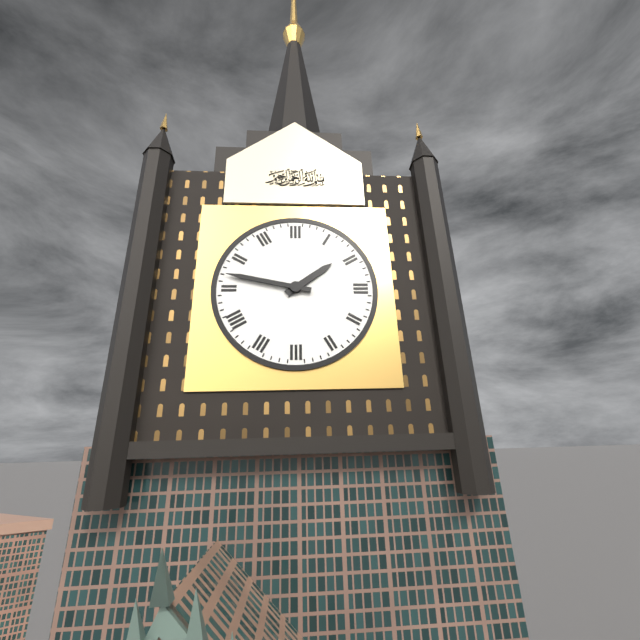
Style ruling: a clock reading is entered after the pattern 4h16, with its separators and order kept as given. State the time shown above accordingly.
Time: 1h47
